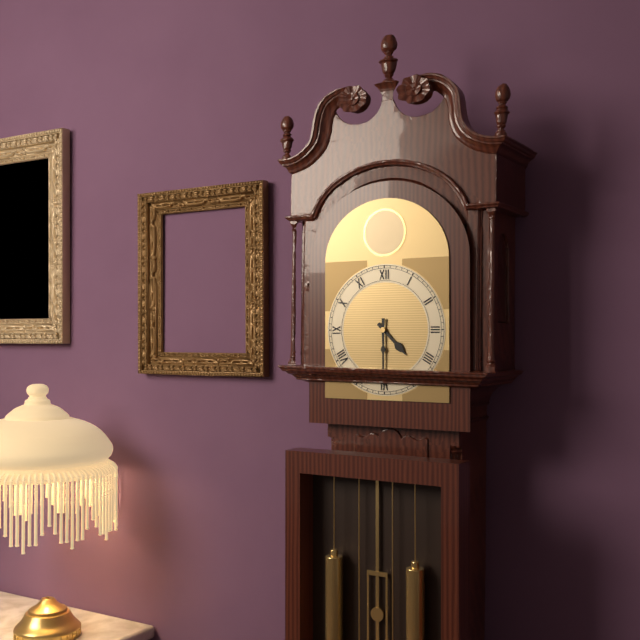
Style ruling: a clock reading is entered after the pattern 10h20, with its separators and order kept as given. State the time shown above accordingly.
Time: 4h30
